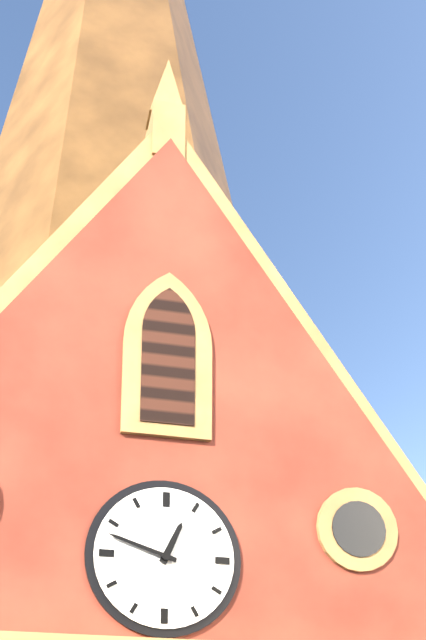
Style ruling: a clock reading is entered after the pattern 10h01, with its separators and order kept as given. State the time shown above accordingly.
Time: 12h48
